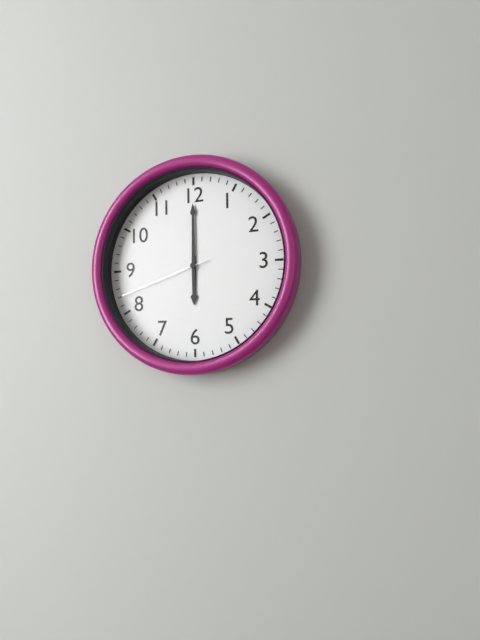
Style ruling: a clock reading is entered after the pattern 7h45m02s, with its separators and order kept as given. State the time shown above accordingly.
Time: 6h00m42s
